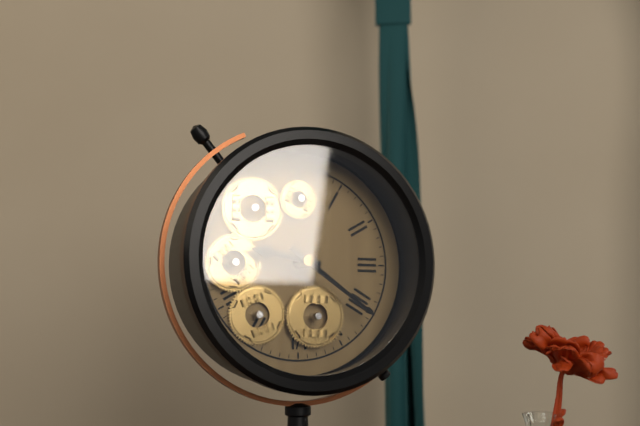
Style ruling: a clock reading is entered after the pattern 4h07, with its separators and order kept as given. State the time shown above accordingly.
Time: 9h21
